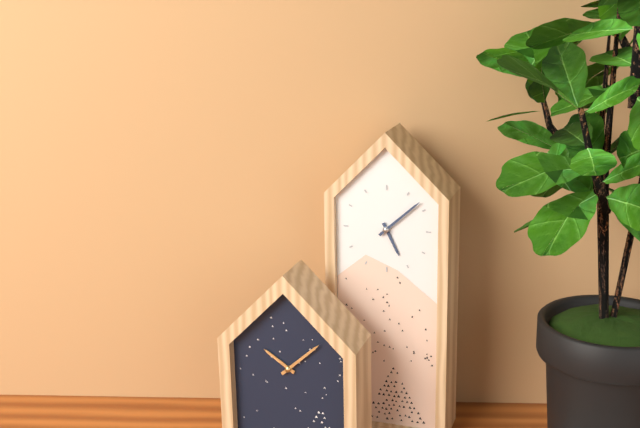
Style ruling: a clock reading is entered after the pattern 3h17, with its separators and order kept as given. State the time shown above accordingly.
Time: 5h08
